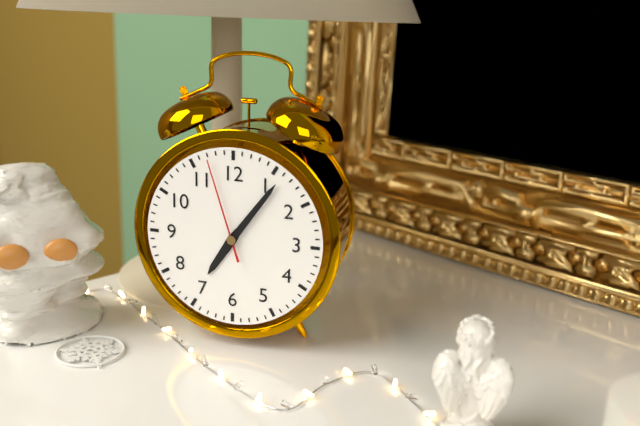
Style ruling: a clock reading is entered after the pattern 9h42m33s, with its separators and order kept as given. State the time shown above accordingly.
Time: 7h06m57s
